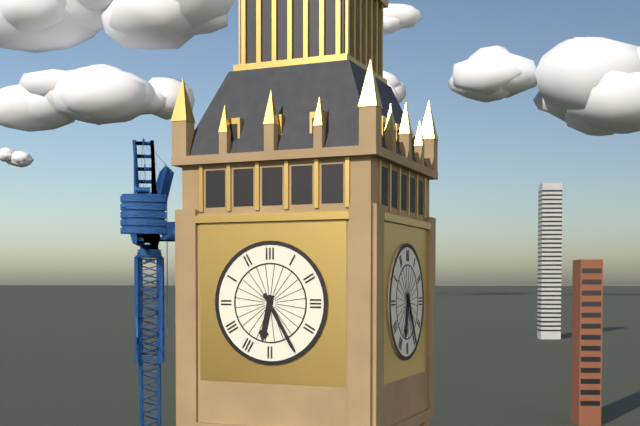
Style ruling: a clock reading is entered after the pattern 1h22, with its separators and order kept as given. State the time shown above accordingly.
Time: 6h25
